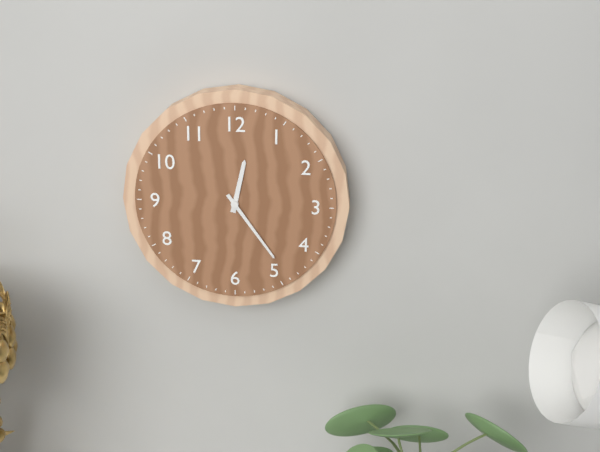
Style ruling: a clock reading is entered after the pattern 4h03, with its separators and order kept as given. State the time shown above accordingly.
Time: 12h24
